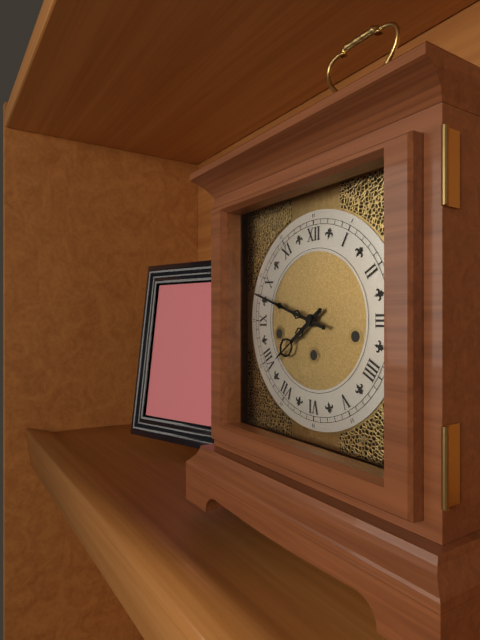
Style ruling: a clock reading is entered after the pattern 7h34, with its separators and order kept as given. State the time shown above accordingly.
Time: 7h48
